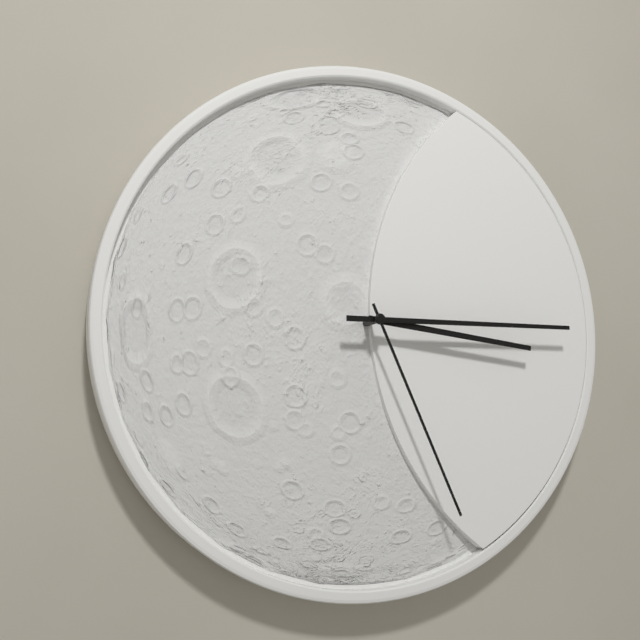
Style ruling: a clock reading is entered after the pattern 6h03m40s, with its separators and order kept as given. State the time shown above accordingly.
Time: 3h15m26s
